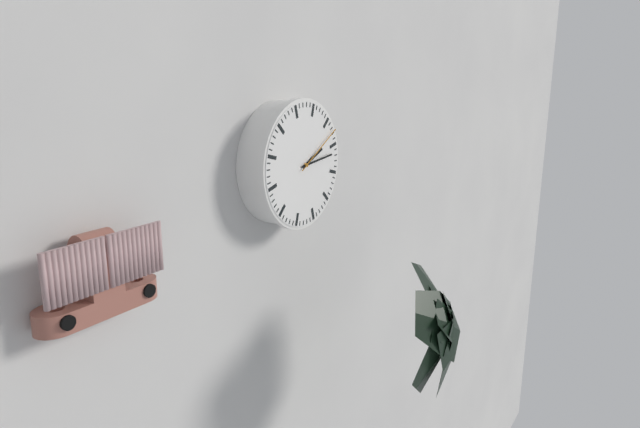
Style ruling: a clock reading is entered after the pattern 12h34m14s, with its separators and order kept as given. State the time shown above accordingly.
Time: 2h14m10s
